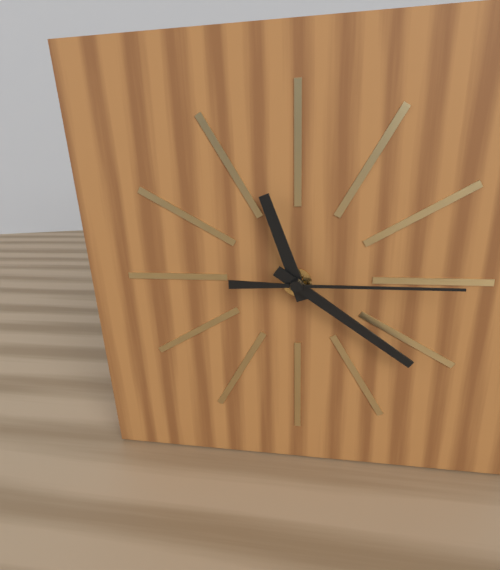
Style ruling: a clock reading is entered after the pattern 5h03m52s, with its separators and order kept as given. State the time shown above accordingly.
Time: 11h21m15s
